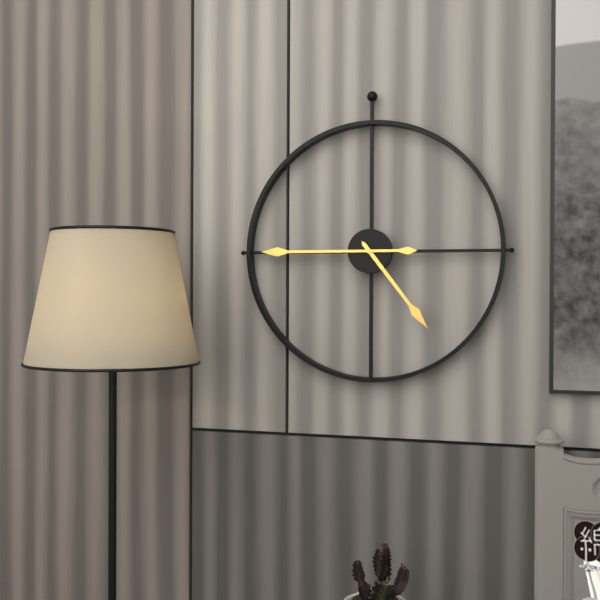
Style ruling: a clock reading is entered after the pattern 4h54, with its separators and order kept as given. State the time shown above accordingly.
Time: 4h45
